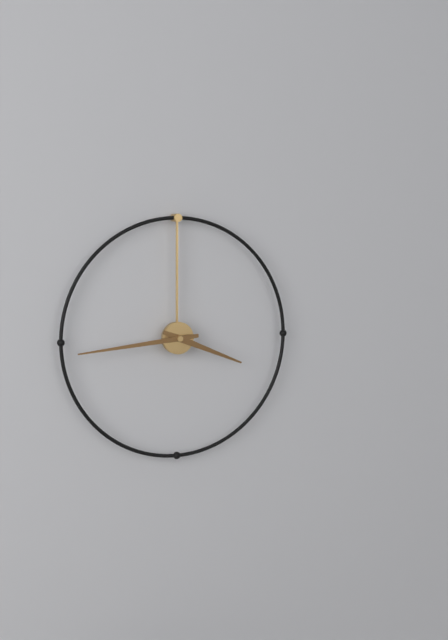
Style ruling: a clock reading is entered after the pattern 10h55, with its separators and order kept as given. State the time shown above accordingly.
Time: 3h44
